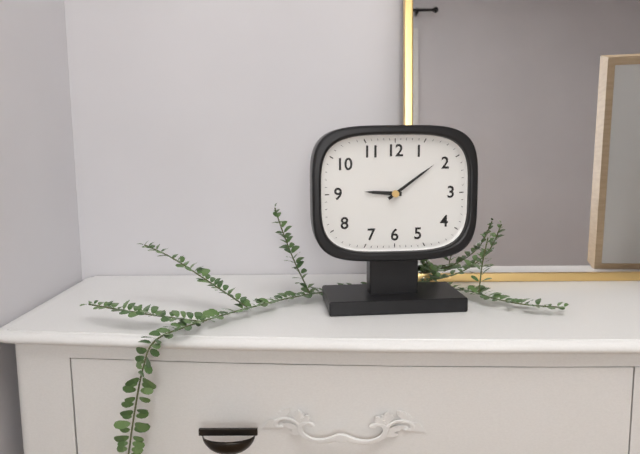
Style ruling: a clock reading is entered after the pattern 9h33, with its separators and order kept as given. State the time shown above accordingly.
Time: 9h09
